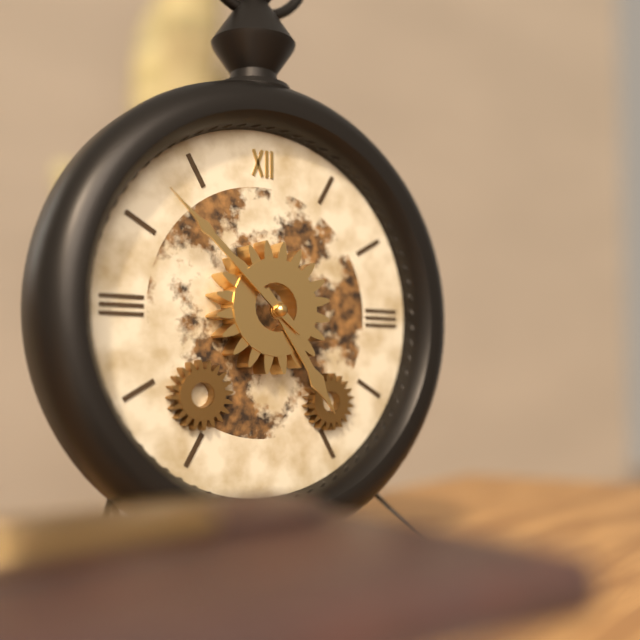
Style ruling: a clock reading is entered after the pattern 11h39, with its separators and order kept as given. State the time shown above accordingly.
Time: 4h52
